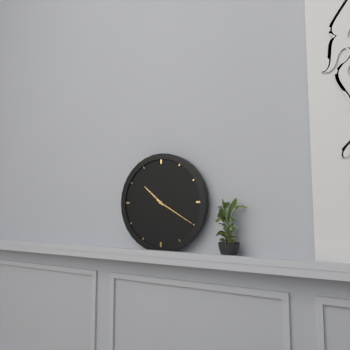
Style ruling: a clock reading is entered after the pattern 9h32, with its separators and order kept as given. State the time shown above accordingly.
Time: 10h20
